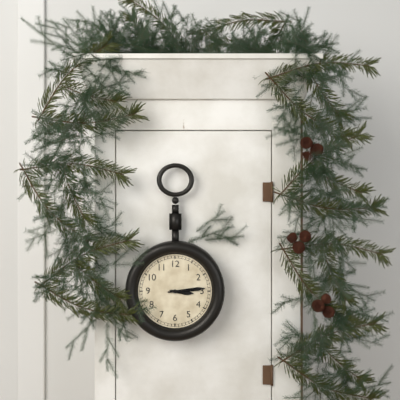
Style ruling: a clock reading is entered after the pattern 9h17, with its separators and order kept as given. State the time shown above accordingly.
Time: 3h14
